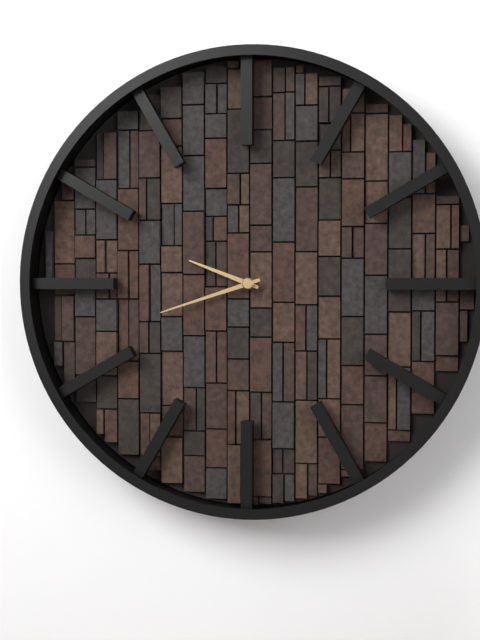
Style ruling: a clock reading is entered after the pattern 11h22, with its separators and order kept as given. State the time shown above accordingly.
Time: 9h42
